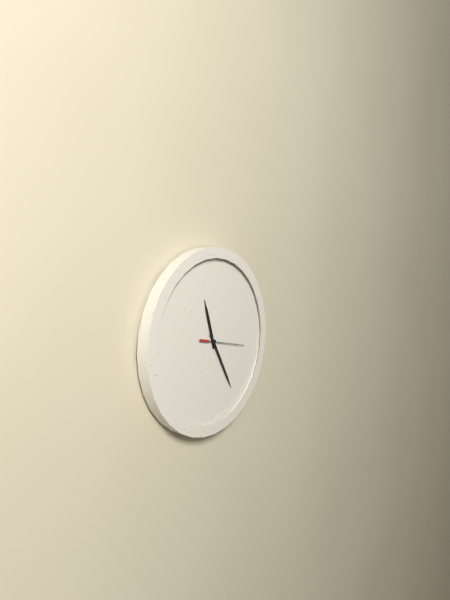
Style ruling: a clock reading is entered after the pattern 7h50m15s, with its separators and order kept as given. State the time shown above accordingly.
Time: 11h25m17s
